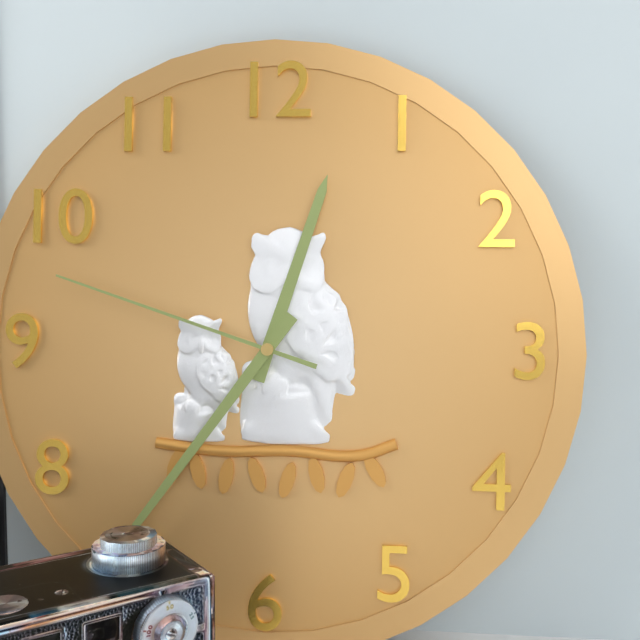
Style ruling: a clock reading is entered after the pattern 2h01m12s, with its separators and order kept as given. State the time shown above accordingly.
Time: 12h36m48s
